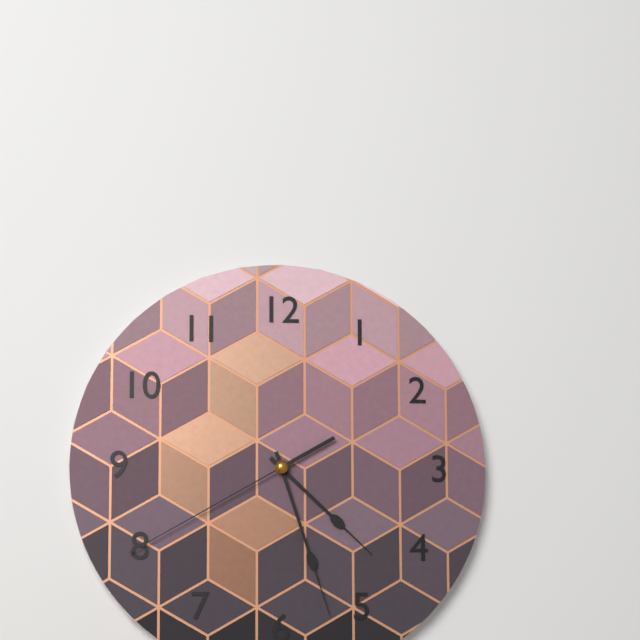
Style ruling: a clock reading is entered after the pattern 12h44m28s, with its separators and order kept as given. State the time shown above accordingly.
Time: 4h27m40s
